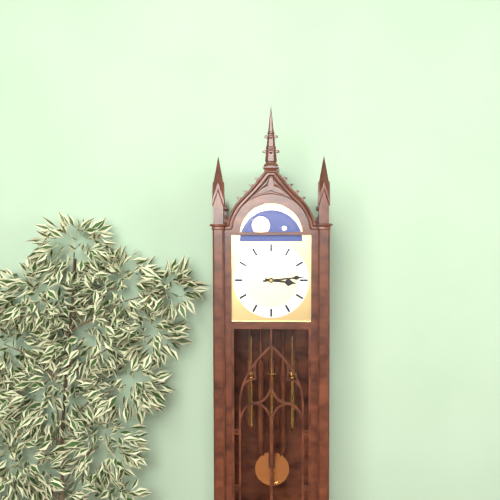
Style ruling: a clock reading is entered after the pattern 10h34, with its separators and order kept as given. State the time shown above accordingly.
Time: 3h14
